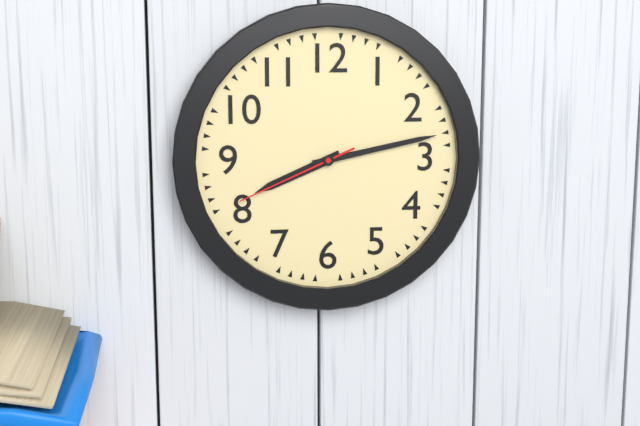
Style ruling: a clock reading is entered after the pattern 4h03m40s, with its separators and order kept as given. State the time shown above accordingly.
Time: 8h13m41s
